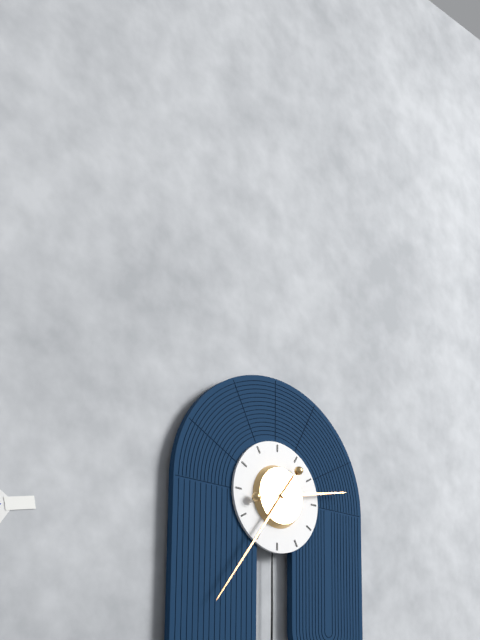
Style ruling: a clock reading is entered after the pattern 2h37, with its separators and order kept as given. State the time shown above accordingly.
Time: 2h36
